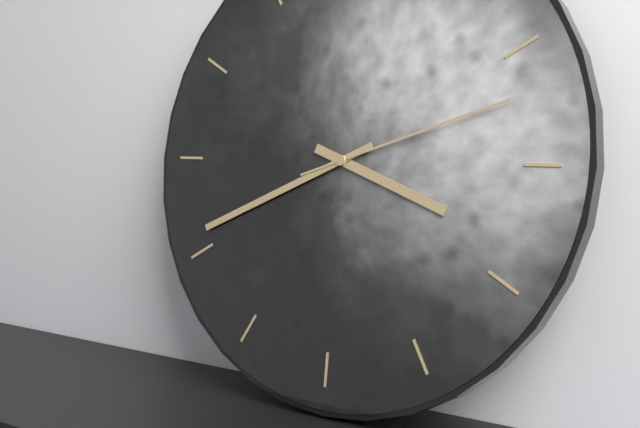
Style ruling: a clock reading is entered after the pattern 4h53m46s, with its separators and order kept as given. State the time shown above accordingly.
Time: 3h41m12s
